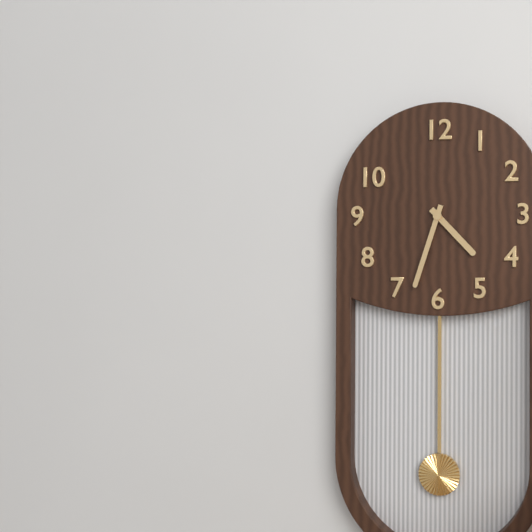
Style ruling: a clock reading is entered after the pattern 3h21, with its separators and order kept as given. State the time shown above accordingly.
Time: 4h33
